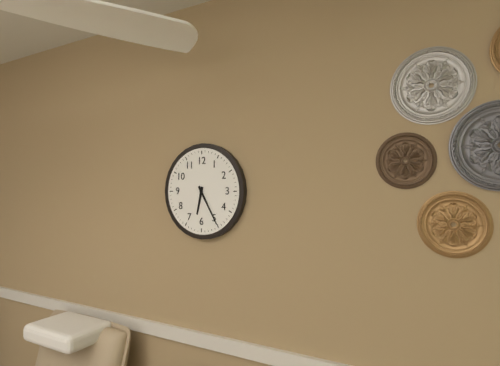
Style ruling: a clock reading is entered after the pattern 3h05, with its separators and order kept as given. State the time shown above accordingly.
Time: 6h25
